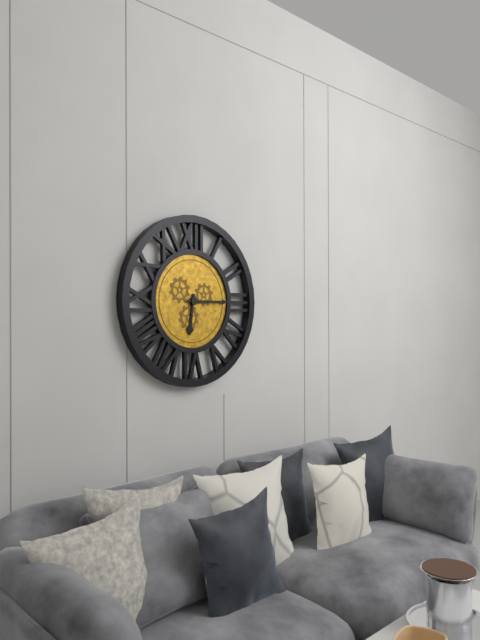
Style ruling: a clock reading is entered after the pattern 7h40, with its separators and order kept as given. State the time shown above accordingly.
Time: 6h15
